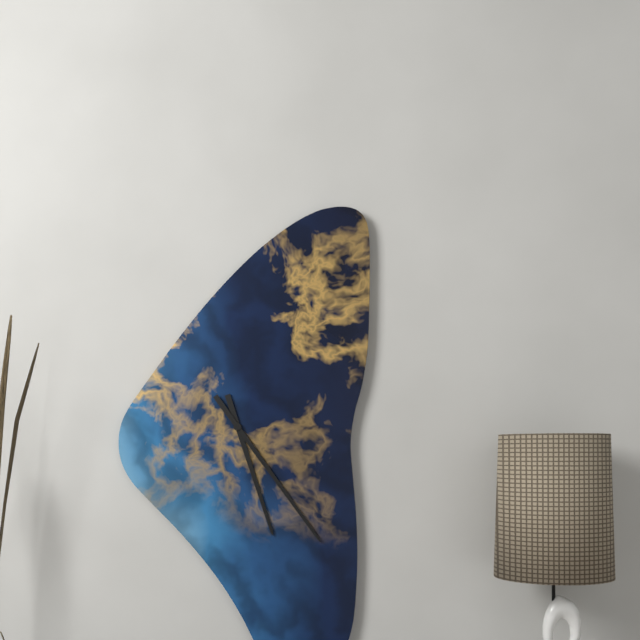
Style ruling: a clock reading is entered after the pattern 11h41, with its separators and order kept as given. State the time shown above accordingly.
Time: 5h24
